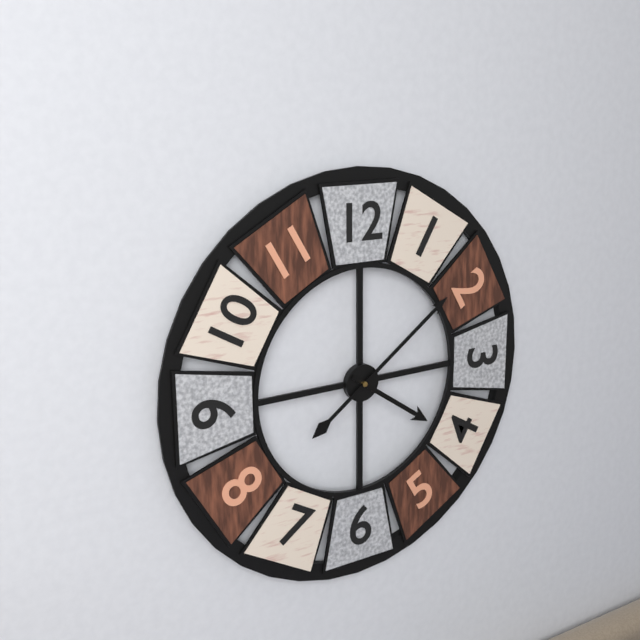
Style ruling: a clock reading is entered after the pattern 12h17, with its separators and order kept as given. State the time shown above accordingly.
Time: 4h09
